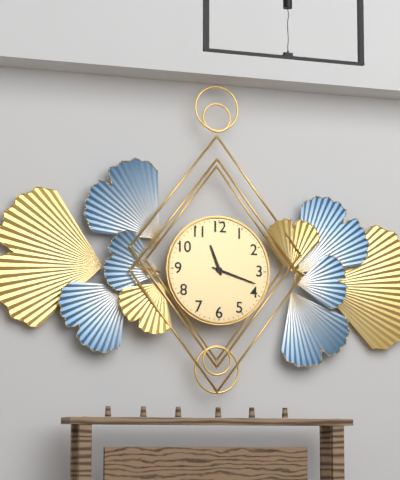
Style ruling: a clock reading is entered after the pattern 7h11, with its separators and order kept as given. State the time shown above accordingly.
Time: 11h18
